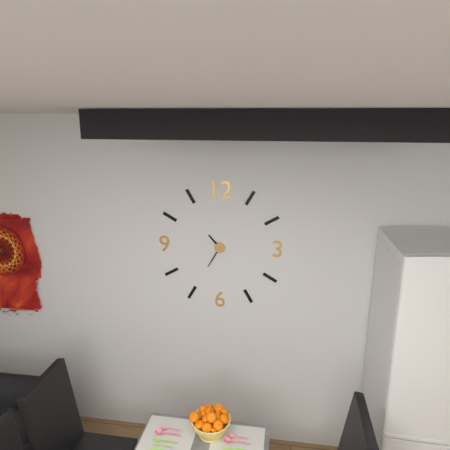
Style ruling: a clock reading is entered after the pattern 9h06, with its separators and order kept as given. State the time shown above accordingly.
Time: 10h35
